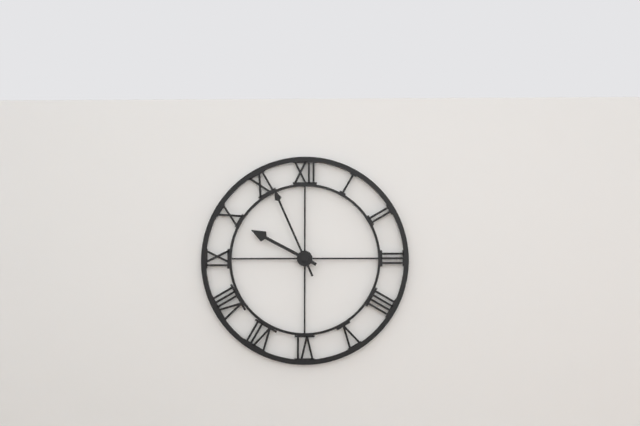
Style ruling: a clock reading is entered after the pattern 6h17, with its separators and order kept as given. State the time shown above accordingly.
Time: 9h56
